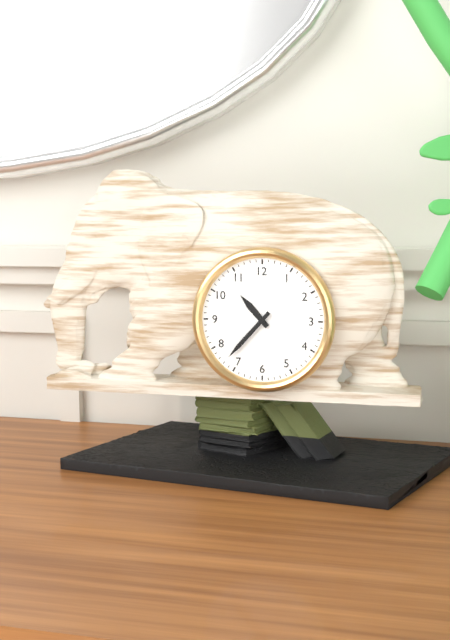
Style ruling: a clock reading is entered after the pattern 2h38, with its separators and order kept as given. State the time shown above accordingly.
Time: 10h37
